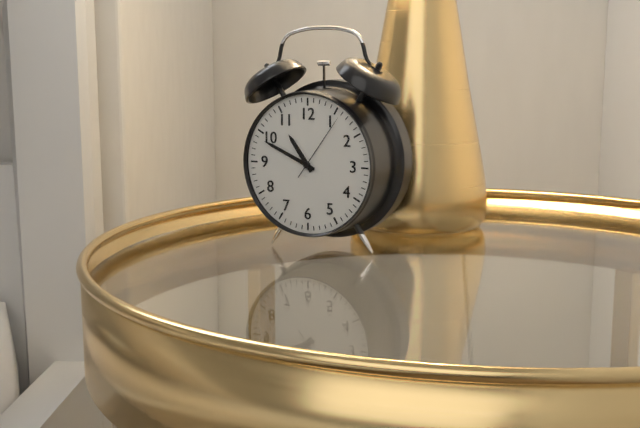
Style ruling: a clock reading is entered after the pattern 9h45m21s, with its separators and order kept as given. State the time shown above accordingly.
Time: 10h49m06s
